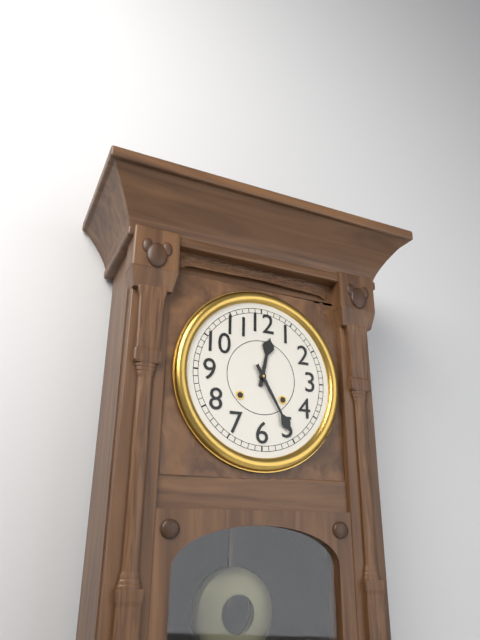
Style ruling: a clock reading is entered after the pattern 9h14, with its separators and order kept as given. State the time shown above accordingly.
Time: 12h25
